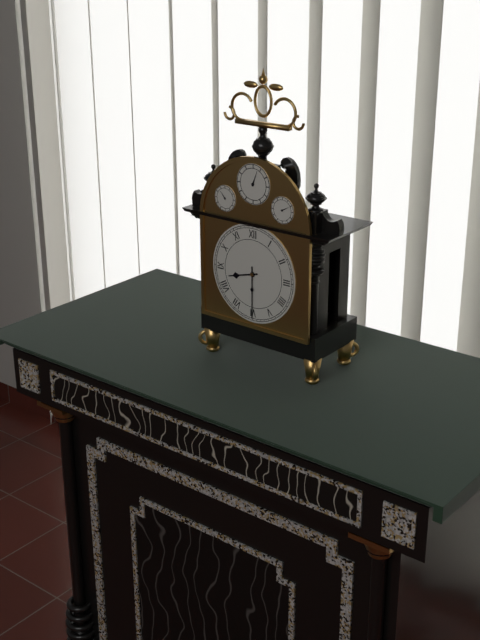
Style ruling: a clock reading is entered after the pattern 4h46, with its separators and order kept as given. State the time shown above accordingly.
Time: 8h30
